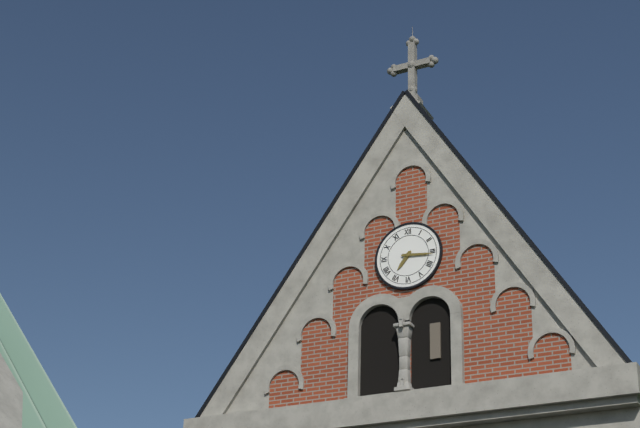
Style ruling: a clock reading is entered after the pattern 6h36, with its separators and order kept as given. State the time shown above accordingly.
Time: 7h16
